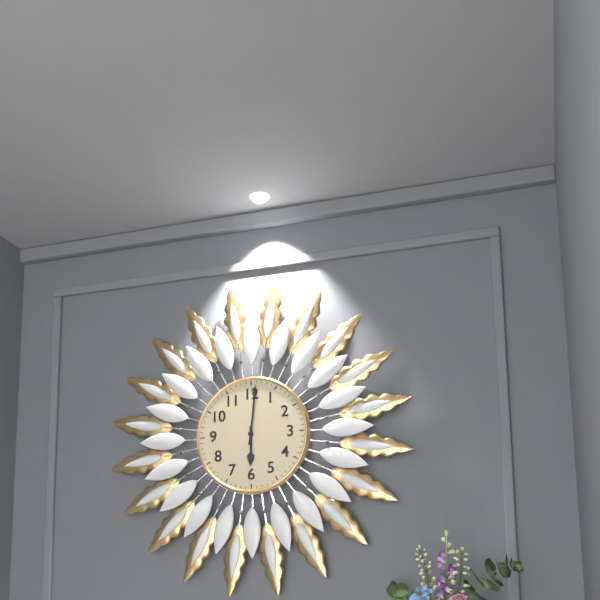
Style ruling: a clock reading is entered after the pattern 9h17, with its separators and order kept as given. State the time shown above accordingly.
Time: 6h01
